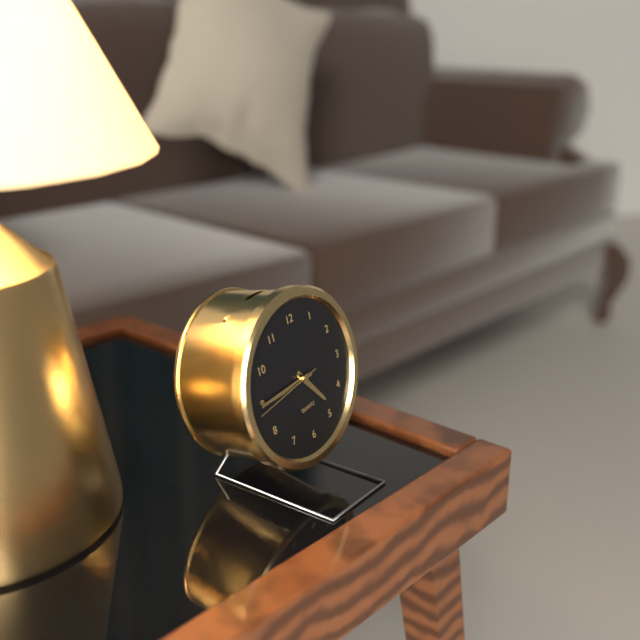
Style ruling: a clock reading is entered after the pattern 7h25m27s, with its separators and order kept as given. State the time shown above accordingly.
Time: 4h45m44s
